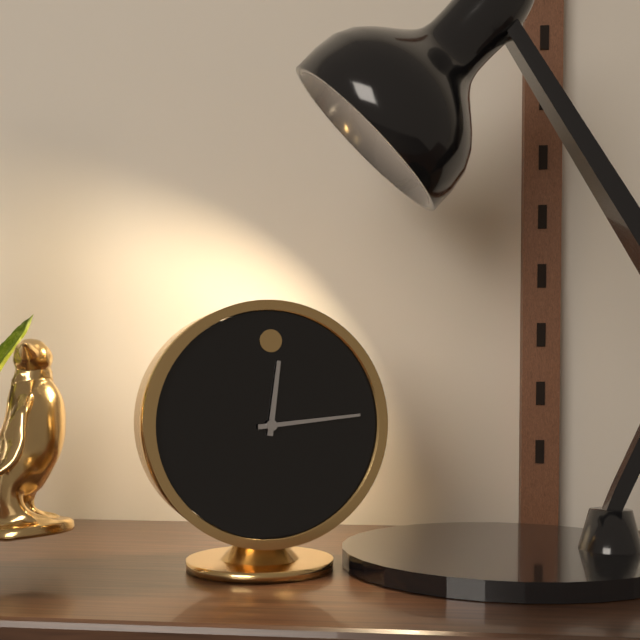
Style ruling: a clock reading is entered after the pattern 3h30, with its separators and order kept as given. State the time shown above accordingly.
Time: 12h14
